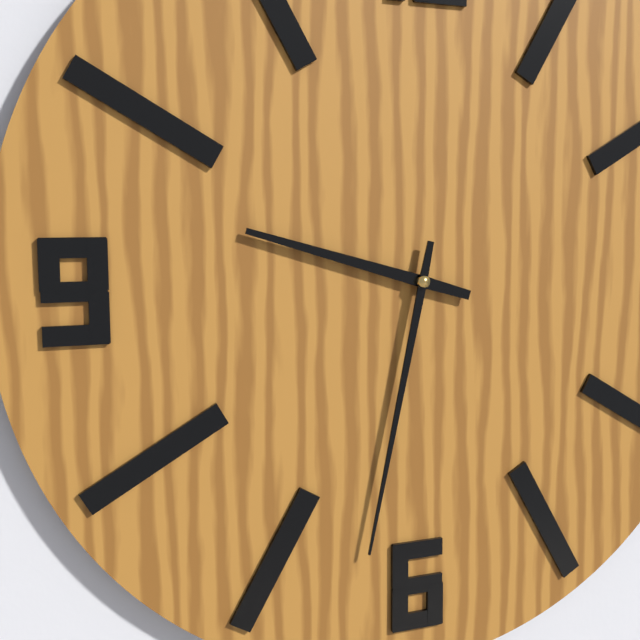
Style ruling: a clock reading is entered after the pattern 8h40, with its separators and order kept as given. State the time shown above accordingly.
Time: 9h32
